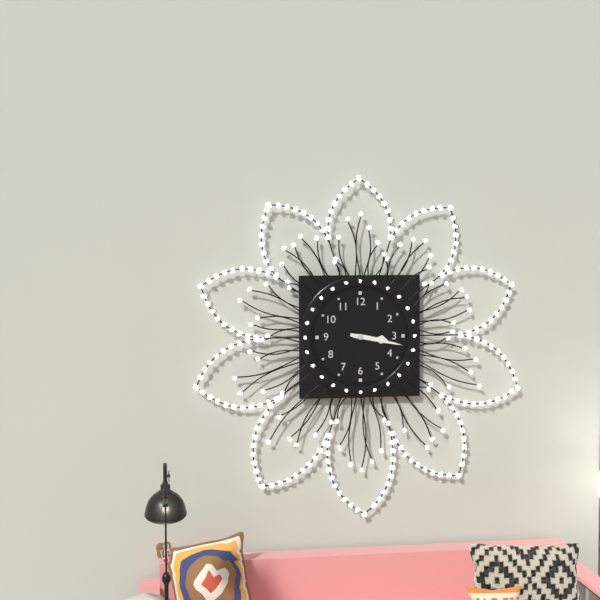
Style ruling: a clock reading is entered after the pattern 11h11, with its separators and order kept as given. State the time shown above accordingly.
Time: 3h17
